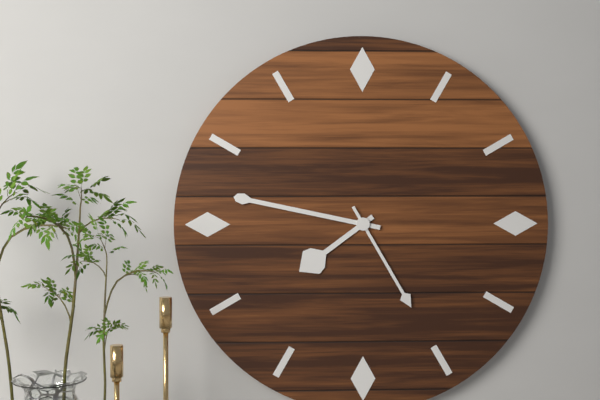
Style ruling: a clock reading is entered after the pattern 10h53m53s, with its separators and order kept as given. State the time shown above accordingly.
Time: 7h47m25s
